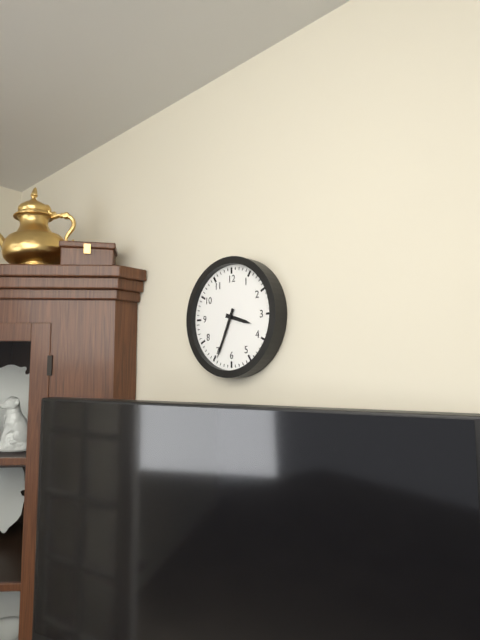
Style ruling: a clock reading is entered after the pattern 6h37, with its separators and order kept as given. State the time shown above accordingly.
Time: 3h34
